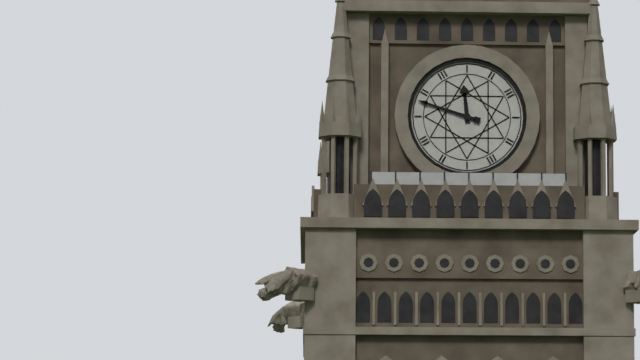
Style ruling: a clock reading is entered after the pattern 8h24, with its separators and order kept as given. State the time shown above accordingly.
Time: 11h48
